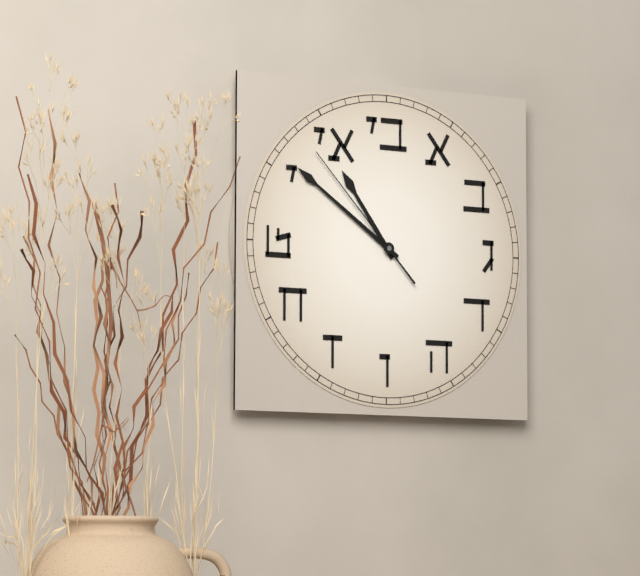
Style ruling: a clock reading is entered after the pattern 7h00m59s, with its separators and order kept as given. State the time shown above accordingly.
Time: 10h51m53s
